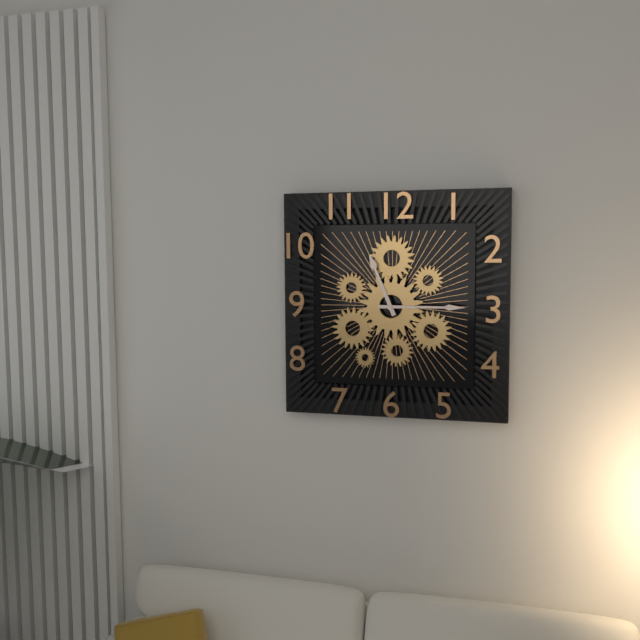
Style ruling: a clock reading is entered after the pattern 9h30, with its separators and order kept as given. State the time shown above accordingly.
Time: 11h15
